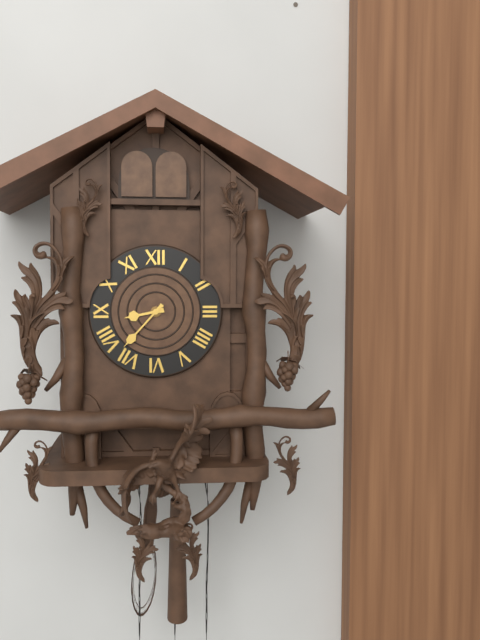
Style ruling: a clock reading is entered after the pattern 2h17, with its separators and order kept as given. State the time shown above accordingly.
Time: 8h37
